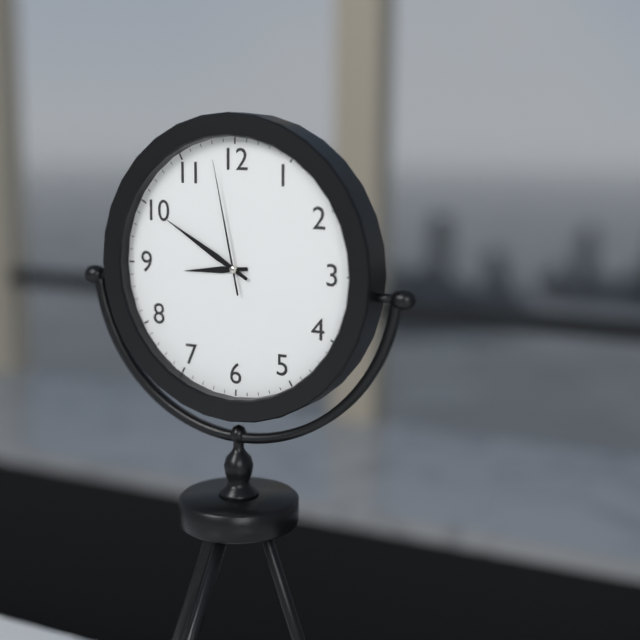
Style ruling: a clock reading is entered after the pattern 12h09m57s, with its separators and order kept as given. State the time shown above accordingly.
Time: 8h50m58s
